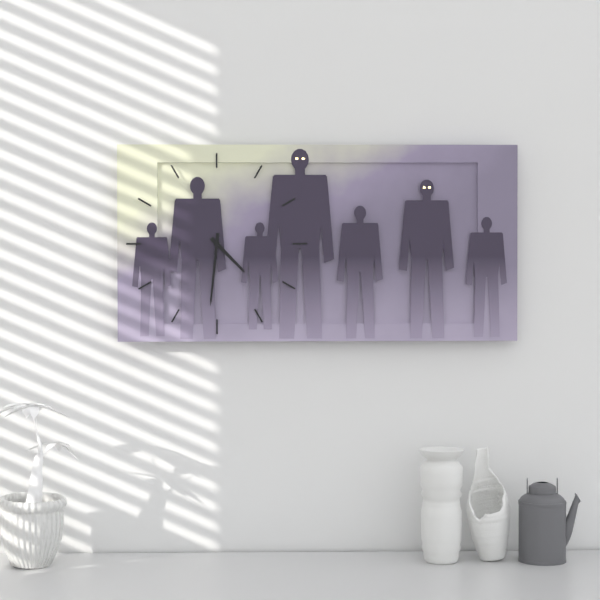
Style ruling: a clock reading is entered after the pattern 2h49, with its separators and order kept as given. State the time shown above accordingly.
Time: 4h31
